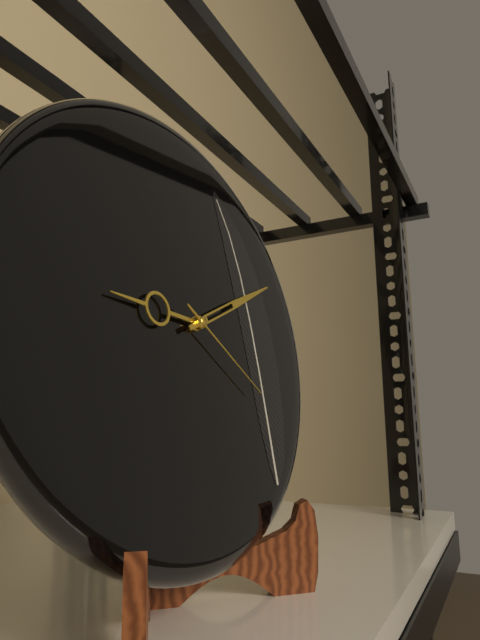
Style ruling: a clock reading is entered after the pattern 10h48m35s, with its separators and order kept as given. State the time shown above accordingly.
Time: 9h11m21s
